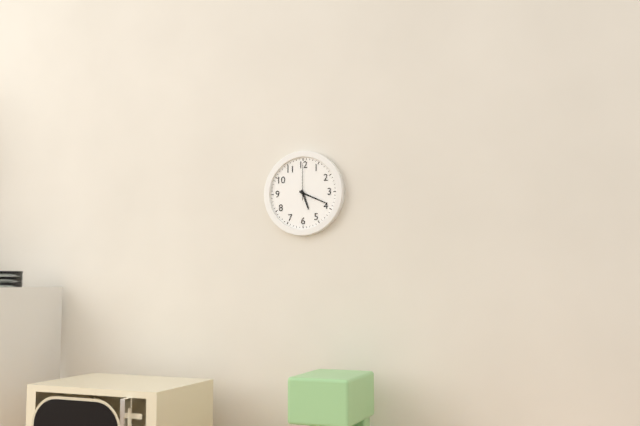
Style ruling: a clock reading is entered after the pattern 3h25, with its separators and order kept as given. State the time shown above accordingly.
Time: 5h19
